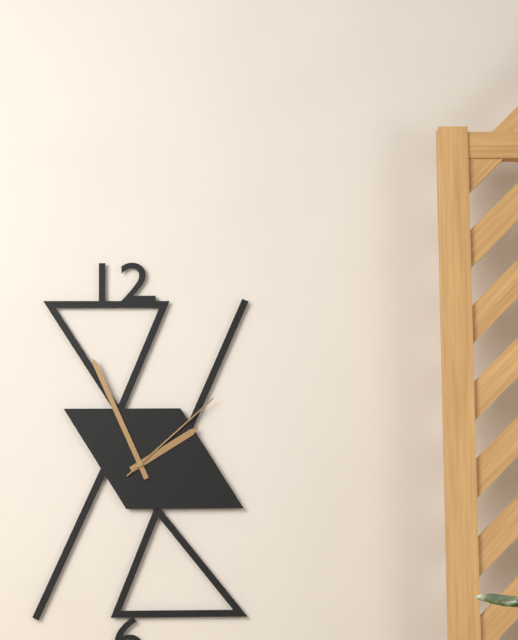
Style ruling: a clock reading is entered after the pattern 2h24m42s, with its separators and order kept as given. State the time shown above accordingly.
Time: 1h56m08s
